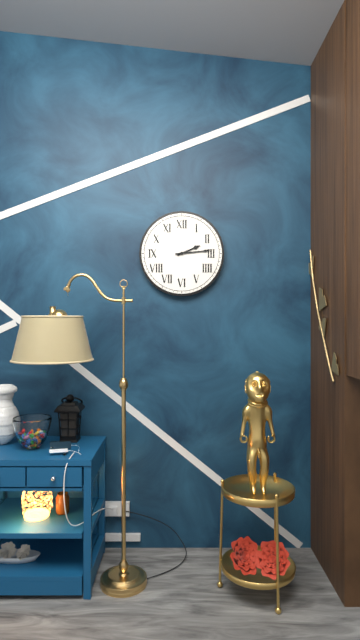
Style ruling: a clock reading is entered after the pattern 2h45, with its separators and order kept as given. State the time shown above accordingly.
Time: 2h14
